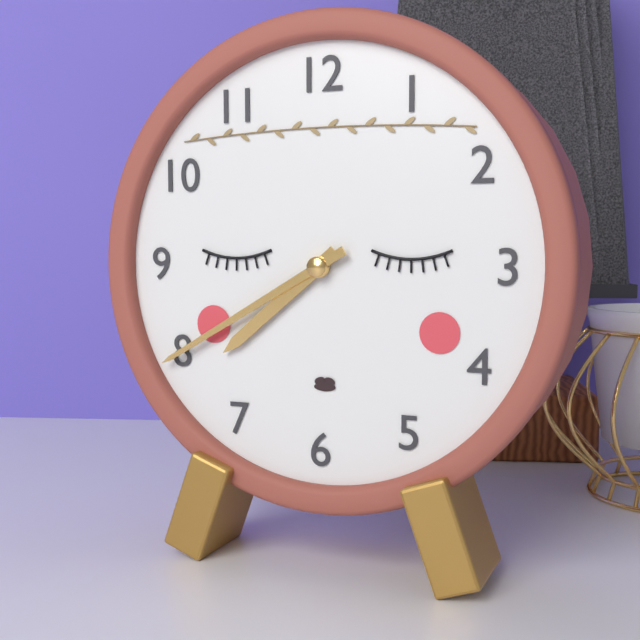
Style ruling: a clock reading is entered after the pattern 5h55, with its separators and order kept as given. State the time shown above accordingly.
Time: 7h40
